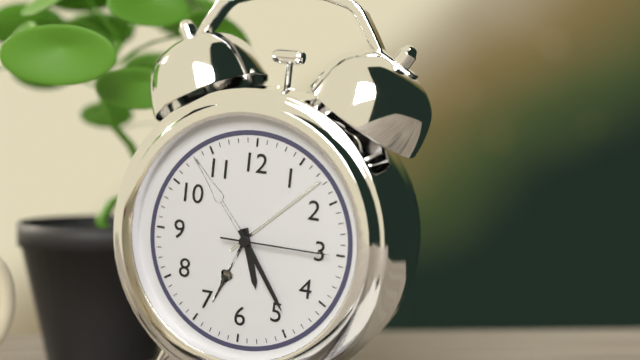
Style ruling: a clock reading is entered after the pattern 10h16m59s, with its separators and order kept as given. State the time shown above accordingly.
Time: 5h24m15s
